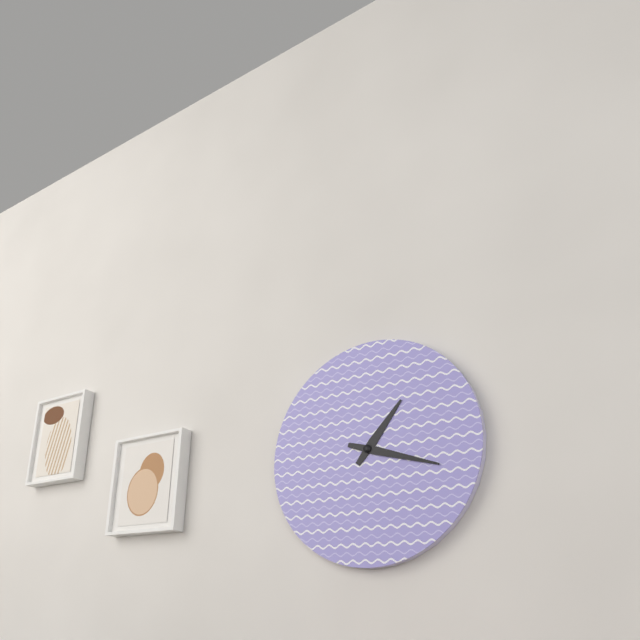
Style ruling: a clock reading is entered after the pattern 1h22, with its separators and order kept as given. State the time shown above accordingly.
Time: 1h18
